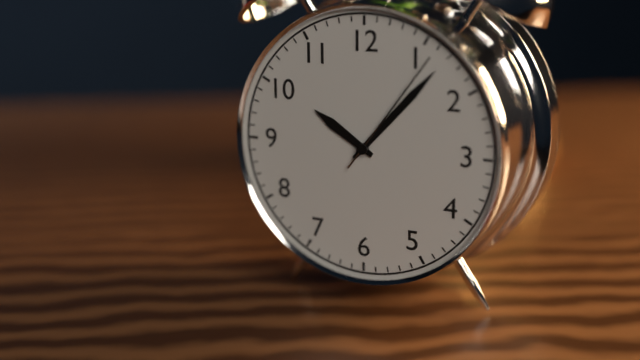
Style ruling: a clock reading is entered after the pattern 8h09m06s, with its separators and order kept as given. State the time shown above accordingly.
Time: 10h07m06s
